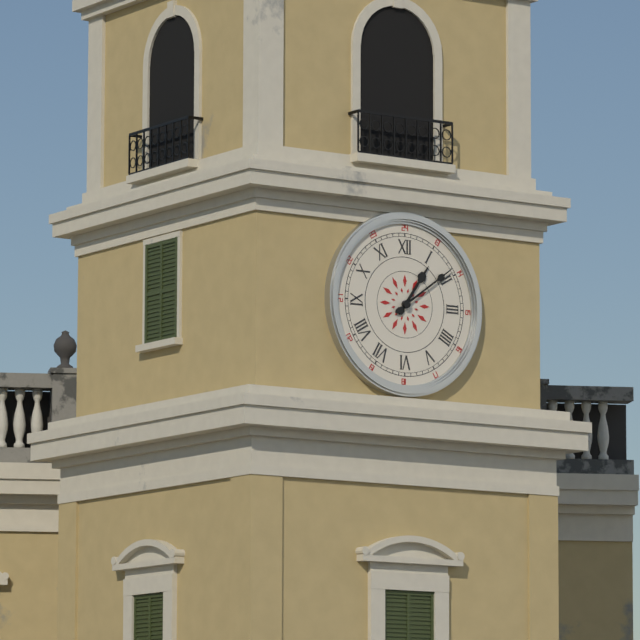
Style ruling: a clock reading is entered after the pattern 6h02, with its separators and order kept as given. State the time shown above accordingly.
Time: 1h09
